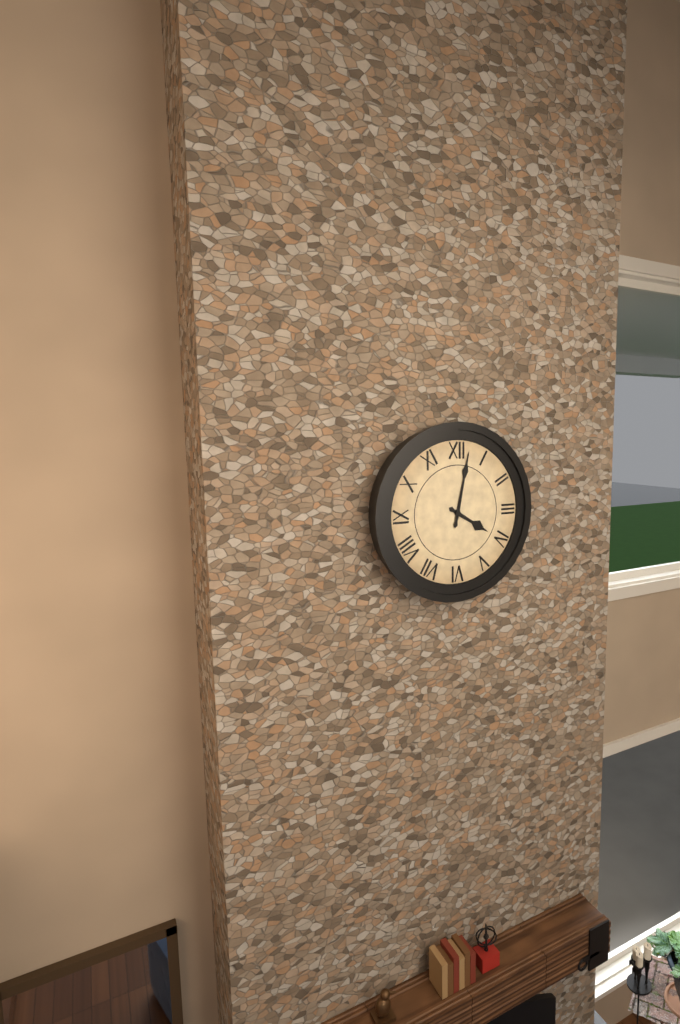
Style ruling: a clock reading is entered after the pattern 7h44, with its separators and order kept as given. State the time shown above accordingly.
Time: 4h02
